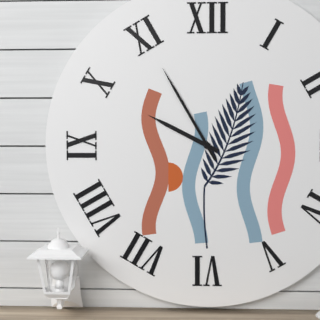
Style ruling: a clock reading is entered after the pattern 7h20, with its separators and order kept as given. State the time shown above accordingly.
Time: 9h55
